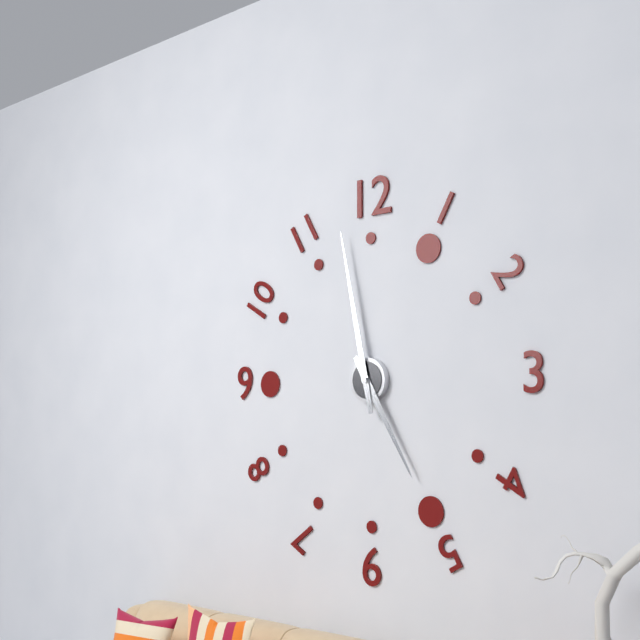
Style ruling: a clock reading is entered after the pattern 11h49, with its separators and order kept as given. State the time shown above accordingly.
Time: 4h58
